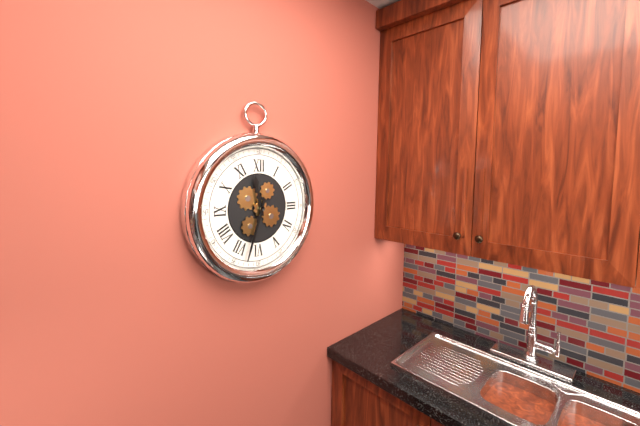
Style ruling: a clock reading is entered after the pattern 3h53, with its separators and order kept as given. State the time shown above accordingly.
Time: 11h33
